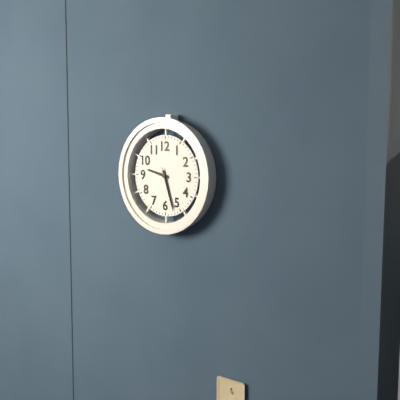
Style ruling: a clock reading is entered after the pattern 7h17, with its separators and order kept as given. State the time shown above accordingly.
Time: 9h27
